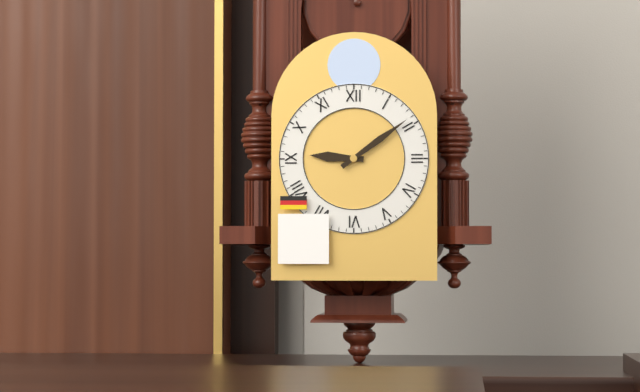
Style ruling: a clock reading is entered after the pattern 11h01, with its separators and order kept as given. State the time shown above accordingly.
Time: 9h09
